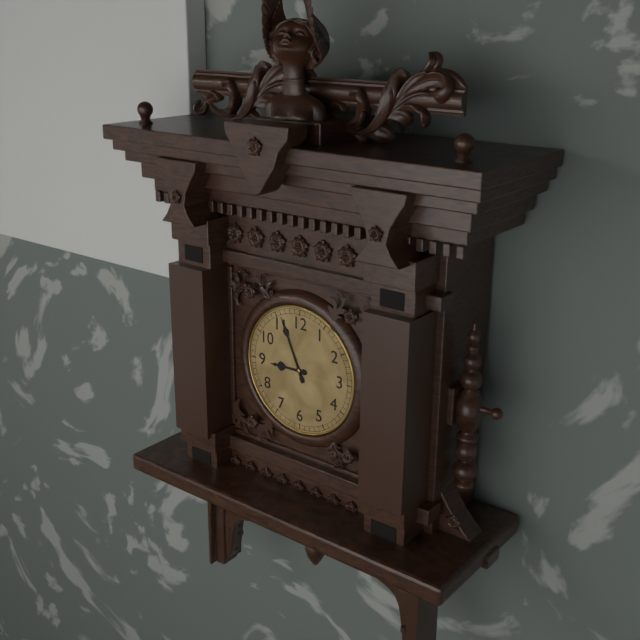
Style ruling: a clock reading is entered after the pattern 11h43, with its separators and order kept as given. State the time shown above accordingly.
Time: 8h56
